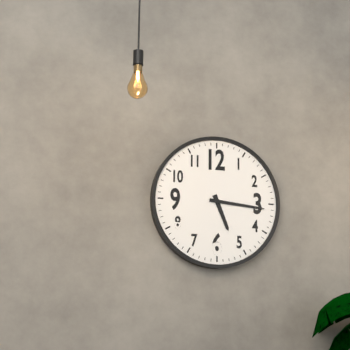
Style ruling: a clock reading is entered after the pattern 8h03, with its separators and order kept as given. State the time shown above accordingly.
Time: 5h16
